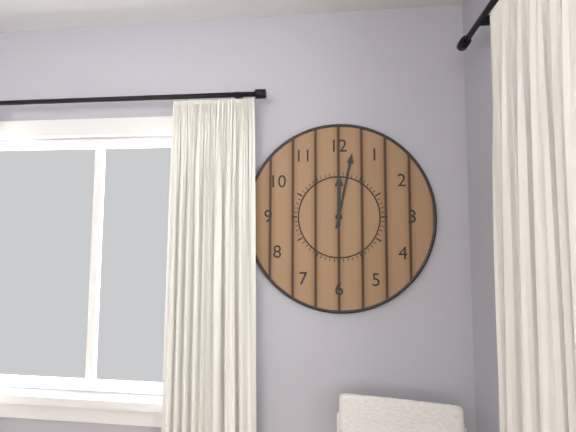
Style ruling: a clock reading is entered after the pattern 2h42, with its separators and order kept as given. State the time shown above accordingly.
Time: 12h02
